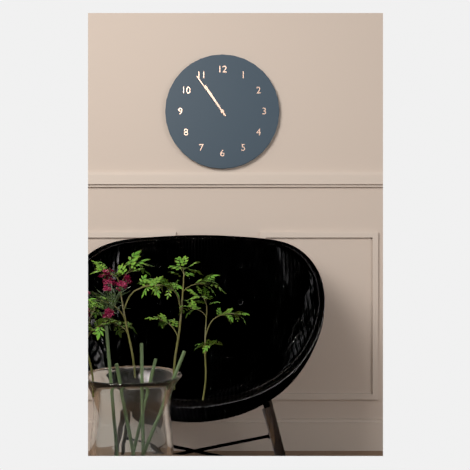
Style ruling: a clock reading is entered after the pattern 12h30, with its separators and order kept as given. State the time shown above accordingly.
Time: 10h54
